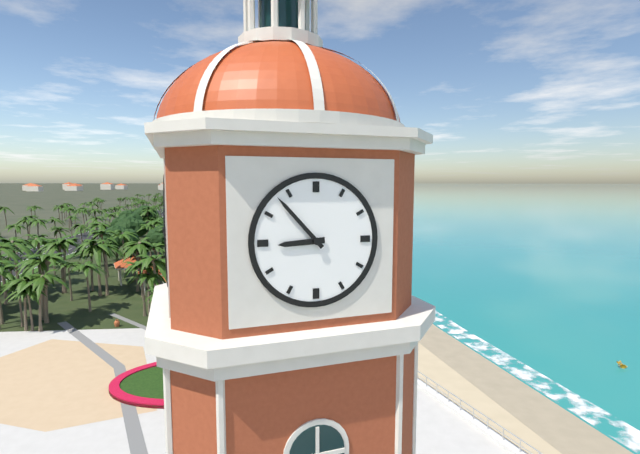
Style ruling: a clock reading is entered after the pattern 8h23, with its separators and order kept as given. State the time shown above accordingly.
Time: 8h53
